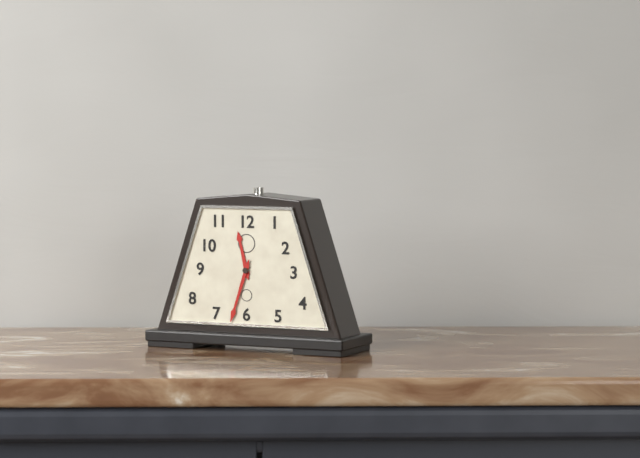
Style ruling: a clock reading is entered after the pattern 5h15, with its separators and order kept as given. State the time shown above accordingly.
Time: 11h33
